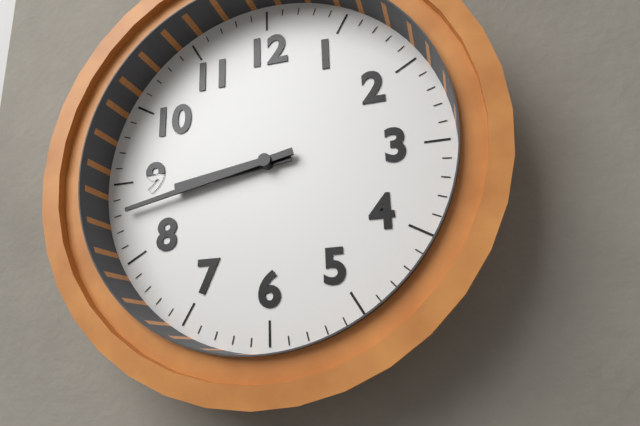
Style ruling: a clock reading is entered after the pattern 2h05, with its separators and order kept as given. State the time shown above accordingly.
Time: 8h43
